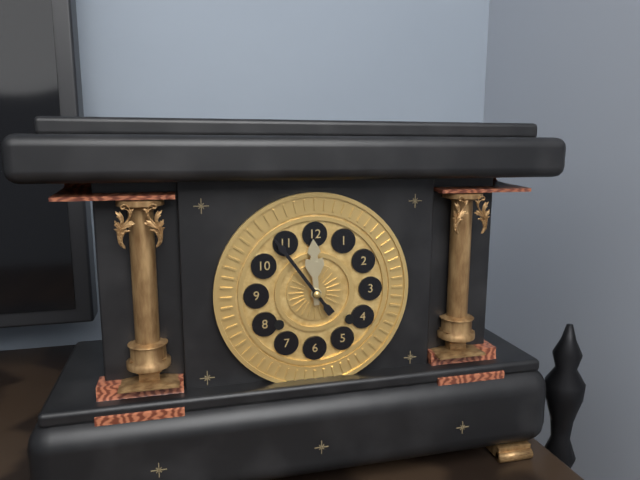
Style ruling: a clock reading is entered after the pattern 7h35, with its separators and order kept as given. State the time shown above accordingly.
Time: 11h54
